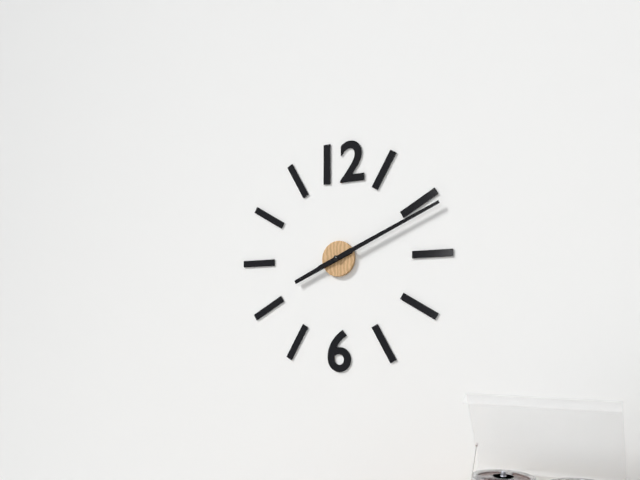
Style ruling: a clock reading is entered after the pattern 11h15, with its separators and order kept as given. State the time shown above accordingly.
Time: 8h11
